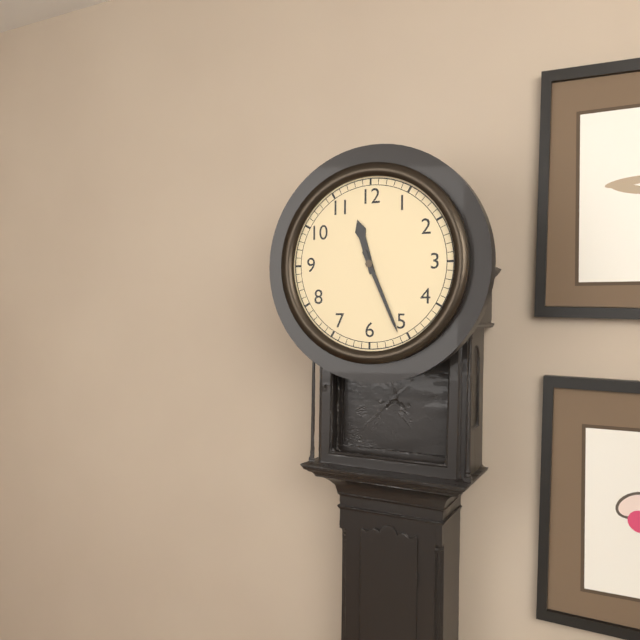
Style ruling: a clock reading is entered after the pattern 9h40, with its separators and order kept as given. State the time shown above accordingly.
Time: 11h26
